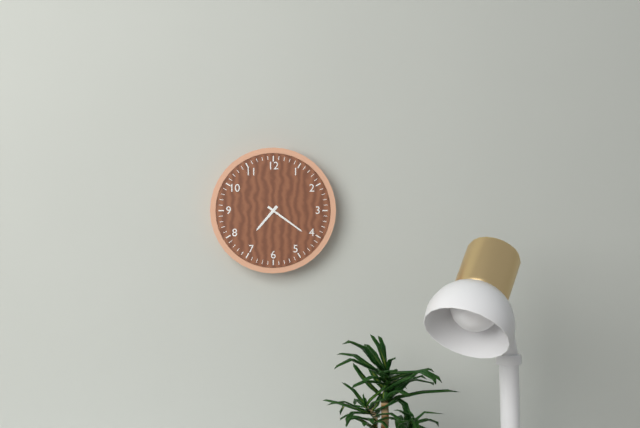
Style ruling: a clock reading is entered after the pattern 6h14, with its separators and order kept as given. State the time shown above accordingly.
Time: 7h21
